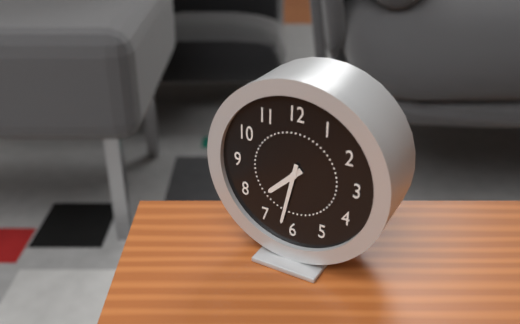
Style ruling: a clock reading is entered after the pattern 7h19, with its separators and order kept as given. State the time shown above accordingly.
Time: 7h32
